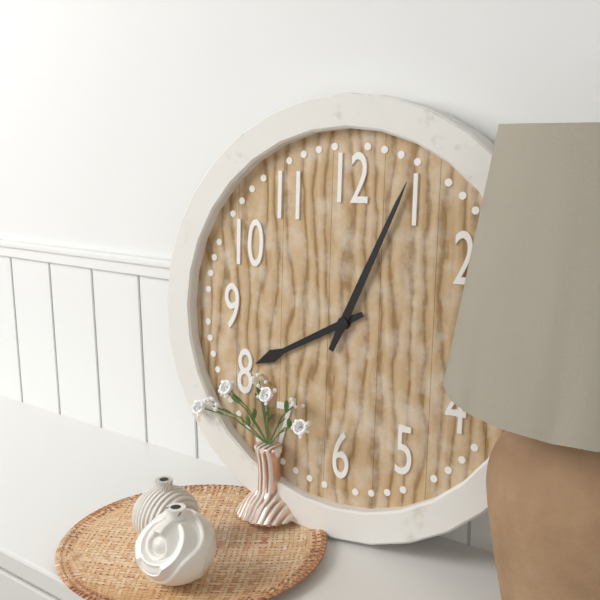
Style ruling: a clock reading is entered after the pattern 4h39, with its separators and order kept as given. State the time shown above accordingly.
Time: 8h04
